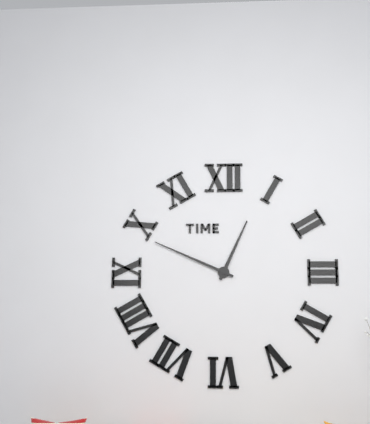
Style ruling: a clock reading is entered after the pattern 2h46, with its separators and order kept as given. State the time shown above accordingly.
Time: 12h49
